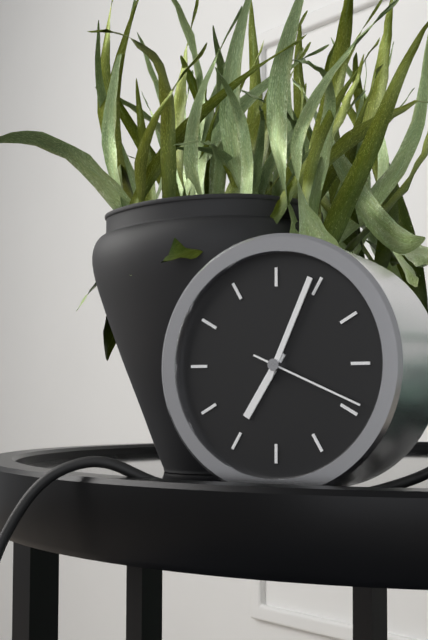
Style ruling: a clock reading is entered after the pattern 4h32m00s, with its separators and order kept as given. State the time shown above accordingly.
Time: 7h04m19s
